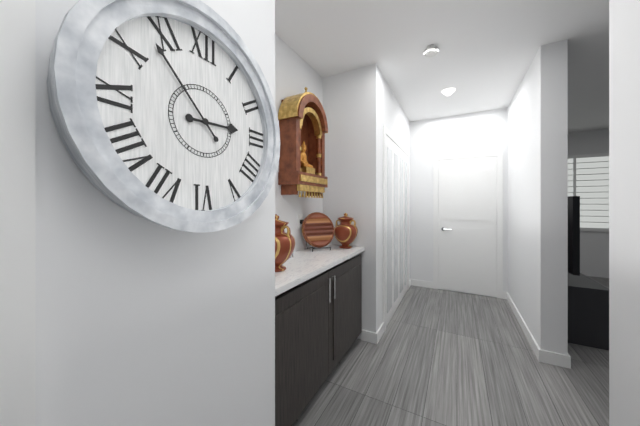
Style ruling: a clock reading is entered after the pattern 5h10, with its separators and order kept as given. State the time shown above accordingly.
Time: 2h53
